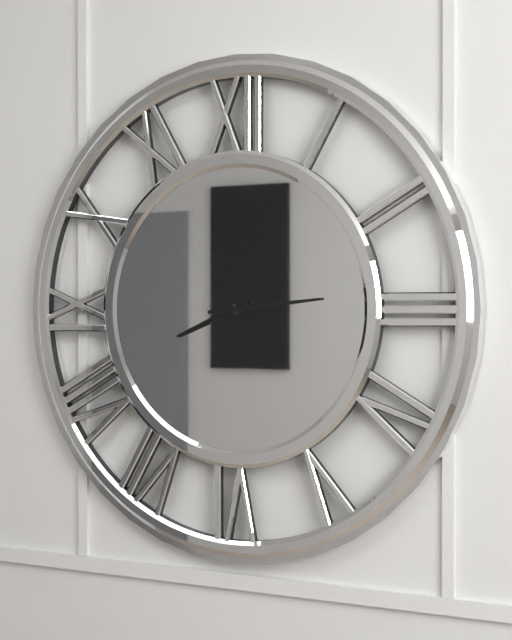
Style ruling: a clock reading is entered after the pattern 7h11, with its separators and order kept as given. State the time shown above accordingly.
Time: 8h14
